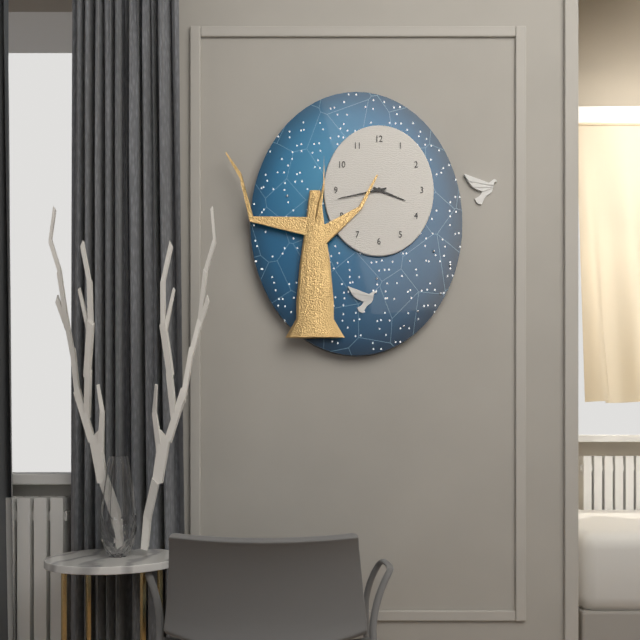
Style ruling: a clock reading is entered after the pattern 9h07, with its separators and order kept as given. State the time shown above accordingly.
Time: 3h43
